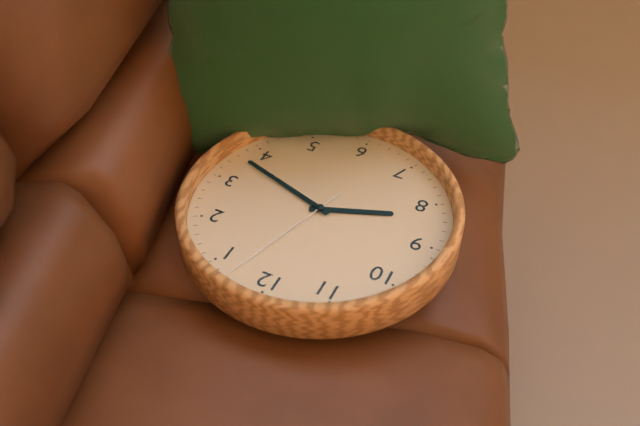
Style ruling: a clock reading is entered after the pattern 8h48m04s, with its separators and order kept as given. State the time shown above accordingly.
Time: 8h18m03s
